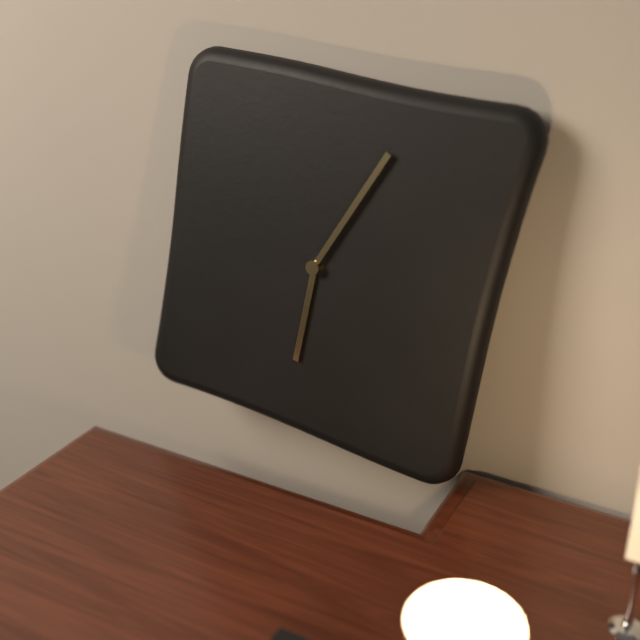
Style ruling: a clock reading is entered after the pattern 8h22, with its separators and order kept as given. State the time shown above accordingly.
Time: 6h04
